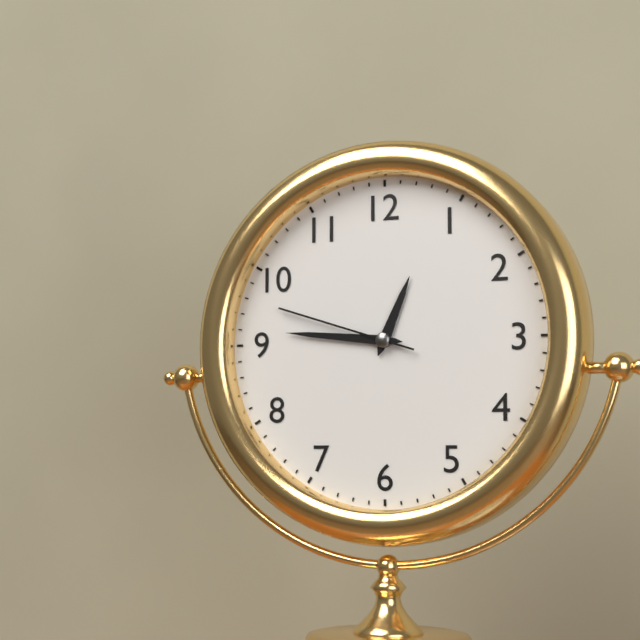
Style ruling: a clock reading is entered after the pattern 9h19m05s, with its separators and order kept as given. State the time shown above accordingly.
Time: 12h46m48s
